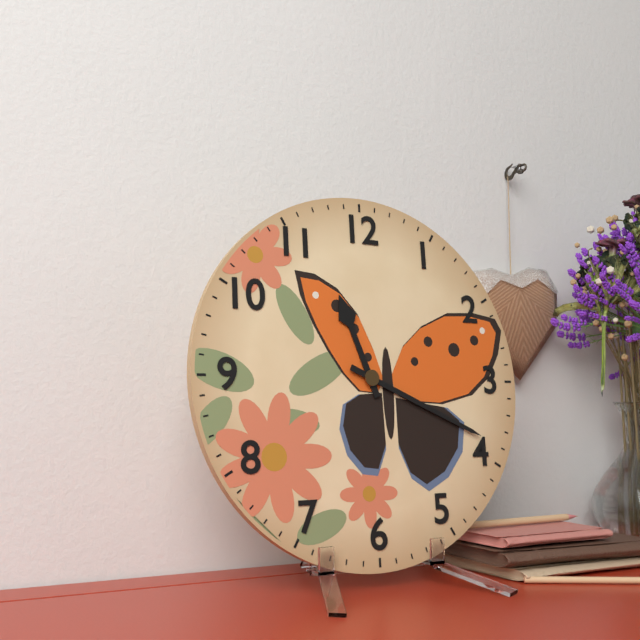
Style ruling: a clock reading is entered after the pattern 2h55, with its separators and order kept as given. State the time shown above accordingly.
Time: 11h19
